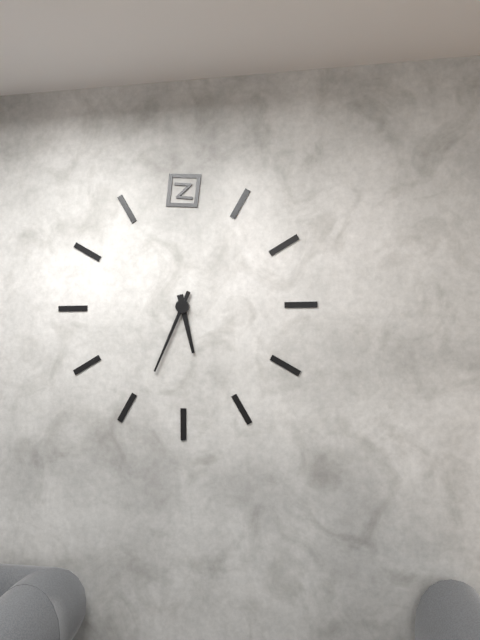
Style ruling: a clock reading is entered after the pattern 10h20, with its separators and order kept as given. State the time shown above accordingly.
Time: 5h34
